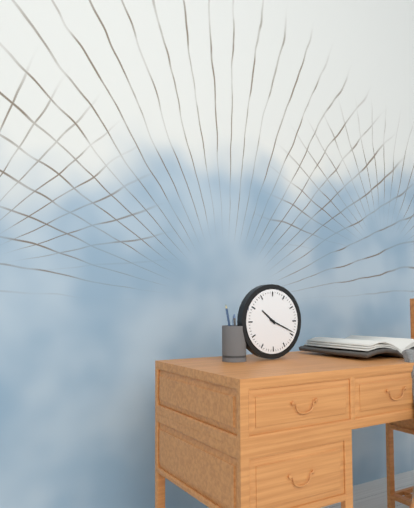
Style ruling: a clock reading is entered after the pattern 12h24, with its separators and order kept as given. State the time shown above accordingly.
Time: 10h19
